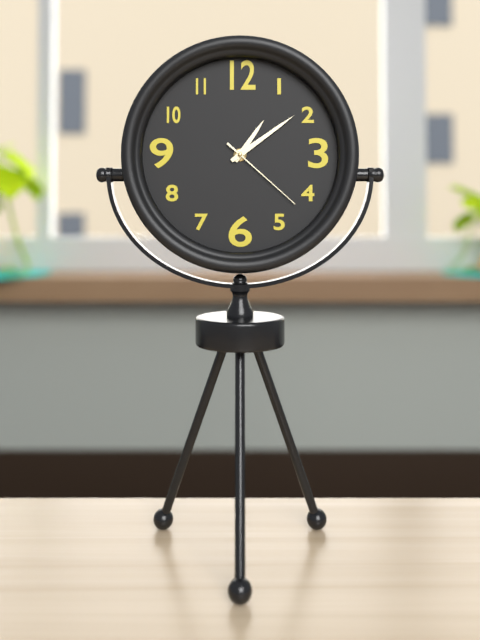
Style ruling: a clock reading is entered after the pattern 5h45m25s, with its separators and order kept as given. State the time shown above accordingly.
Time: 1h09m22s
